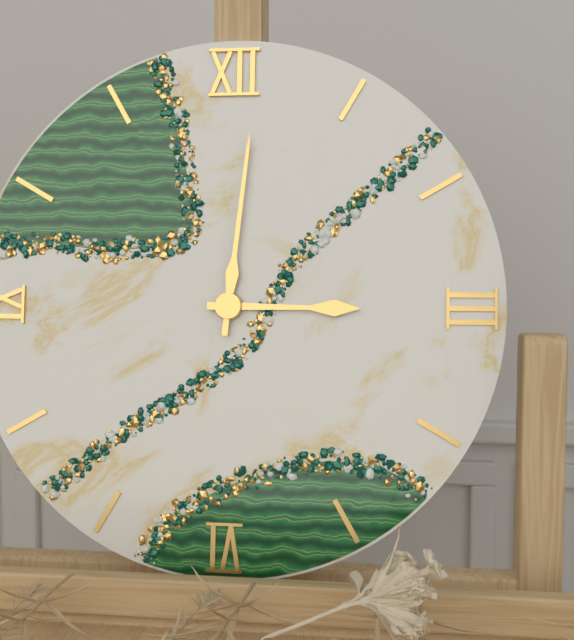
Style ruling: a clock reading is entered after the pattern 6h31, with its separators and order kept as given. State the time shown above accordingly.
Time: 3h01
